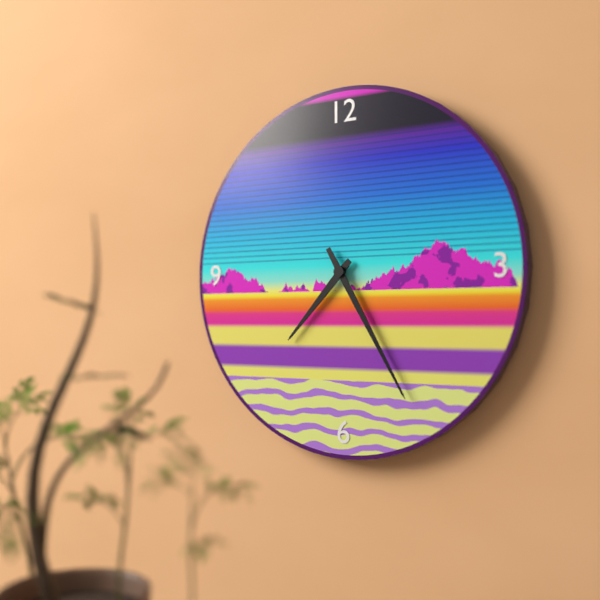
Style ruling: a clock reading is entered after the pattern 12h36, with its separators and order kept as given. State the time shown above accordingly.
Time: 7h25
